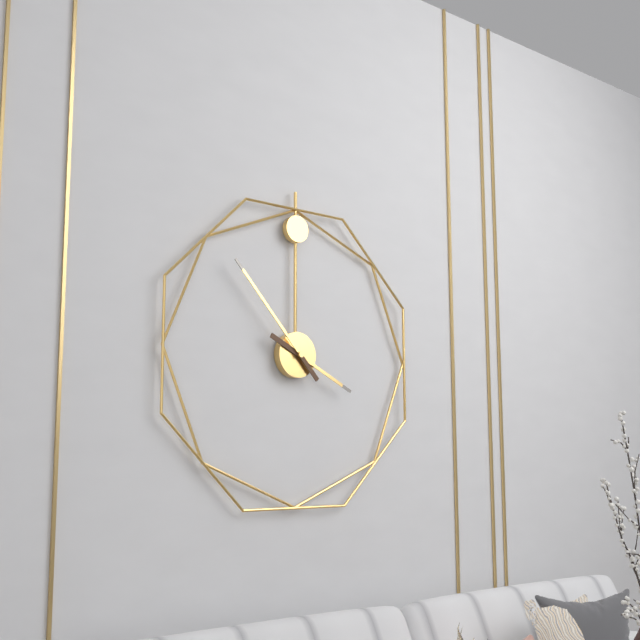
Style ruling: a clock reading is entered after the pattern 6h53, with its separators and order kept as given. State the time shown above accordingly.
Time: 3h53
